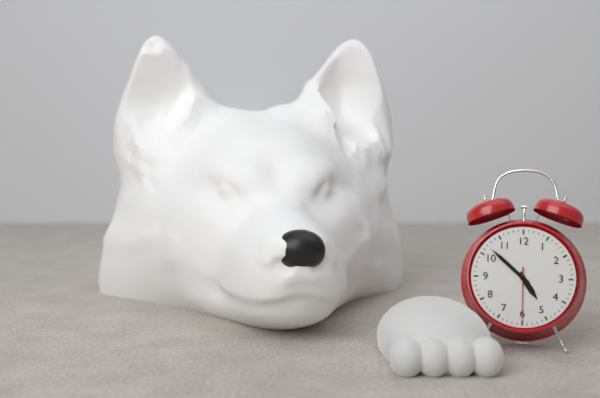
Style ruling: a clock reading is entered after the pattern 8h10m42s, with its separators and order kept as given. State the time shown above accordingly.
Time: 4h52m30s
